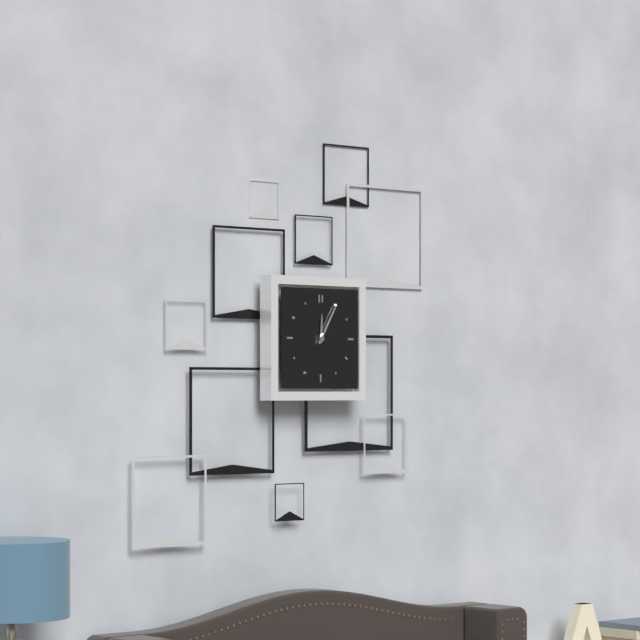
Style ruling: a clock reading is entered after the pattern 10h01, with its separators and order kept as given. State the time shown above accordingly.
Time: 12h05
